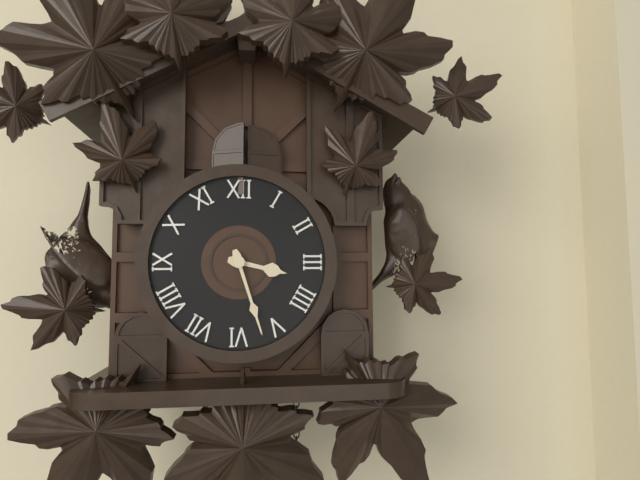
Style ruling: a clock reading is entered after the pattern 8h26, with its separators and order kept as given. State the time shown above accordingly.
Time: 3h27
